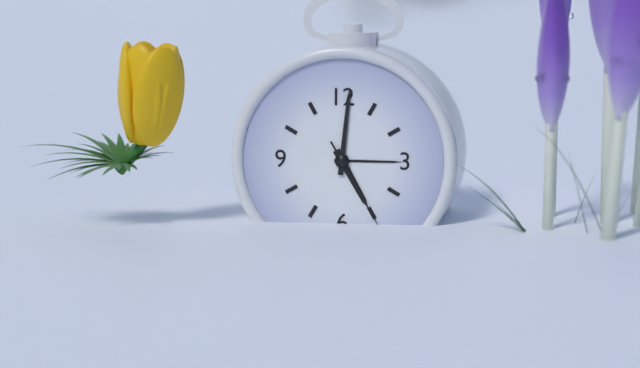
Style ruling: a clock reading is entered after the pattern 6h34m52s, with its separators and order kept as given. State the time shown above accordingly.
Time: 5h01m25s
